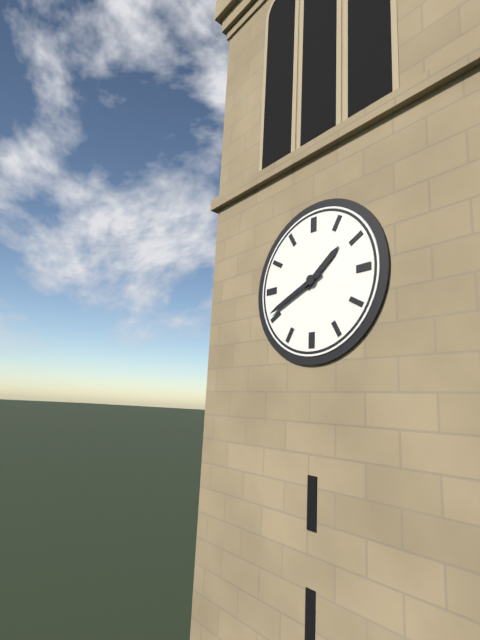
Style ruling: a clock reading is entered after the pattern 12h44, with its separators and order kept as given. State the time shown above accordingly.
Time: 1h41
